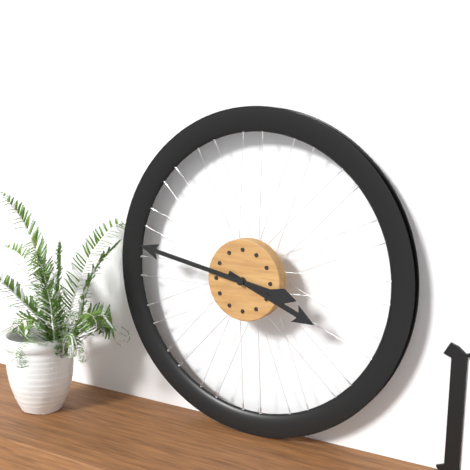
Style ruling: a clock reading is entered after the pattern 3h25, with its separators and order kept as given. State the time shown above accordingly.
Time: 3h47
